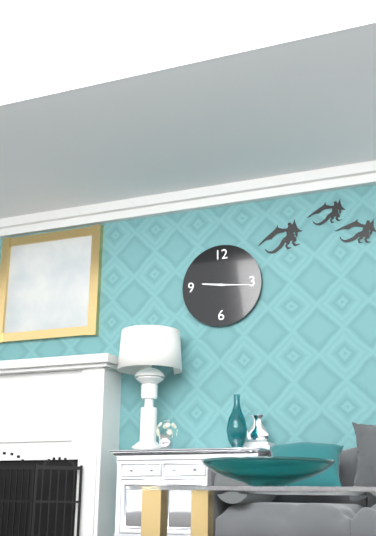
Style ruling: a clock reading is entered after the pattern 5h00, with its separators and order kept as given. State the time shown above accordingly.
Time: 9h16
